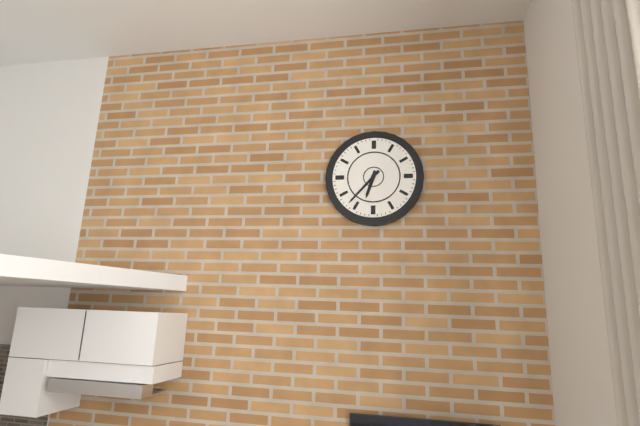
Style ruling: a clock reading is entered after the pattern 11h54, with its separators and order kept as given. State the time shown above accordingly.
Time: 6h37
